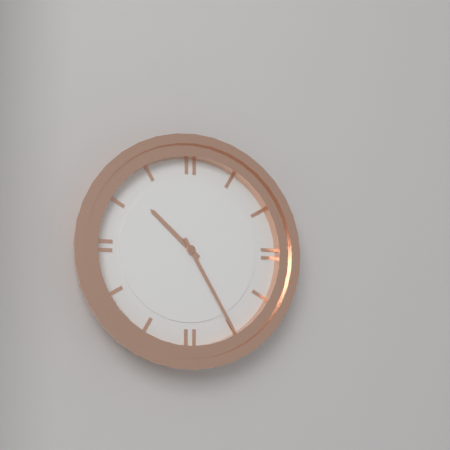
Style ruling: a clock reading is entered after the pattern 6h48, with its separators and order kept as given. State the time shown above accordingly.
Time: 10h25
